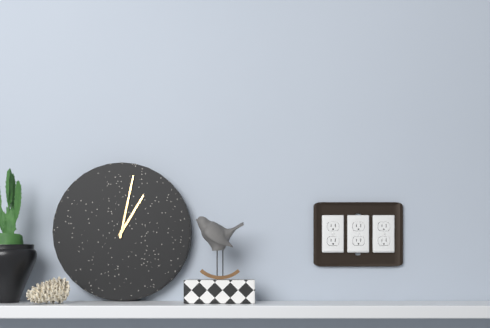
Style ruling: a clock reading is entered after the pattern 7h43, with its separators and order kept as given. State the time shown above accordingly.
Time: 1h02
